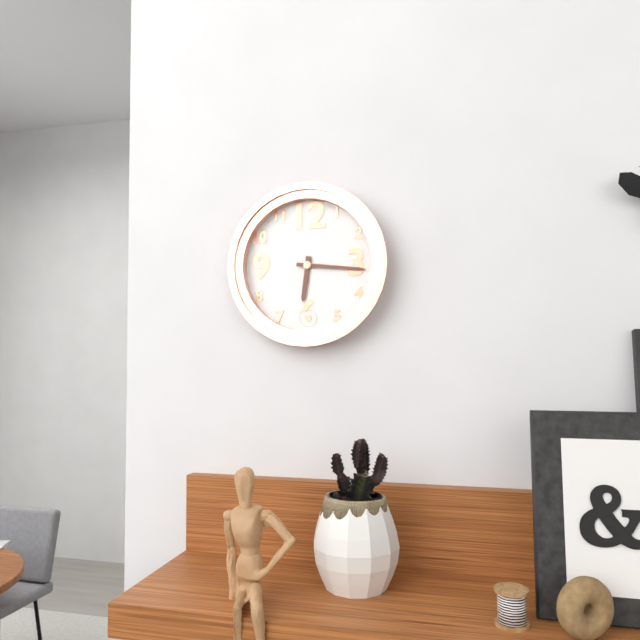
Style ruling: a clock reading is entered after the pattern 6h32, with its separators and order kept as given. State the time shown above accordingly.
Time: 6h16
